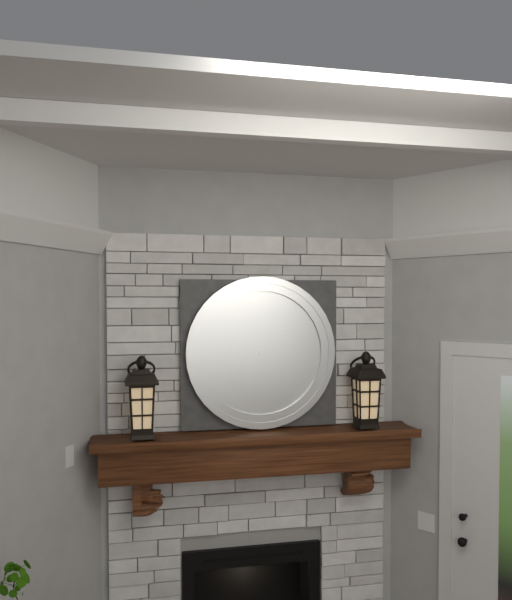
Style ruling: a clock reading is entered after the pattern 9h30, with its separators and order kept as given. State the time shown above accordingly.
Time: 2h46
